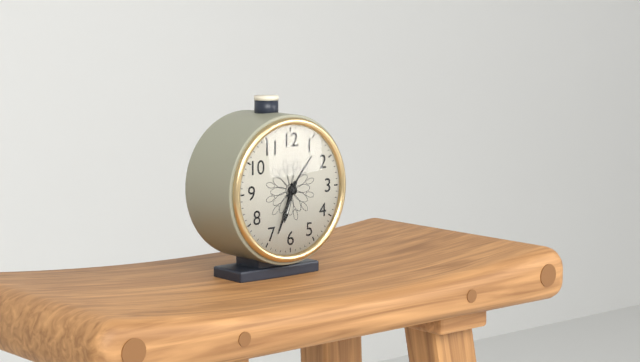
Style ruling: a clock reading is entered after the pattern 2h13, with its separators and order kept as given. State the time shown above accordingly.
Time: 6h34
